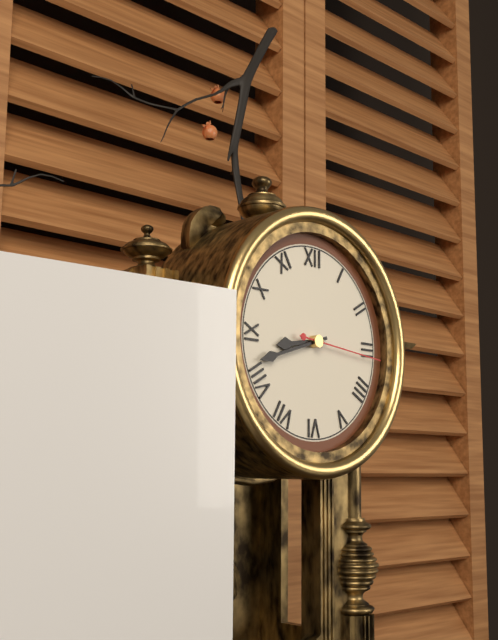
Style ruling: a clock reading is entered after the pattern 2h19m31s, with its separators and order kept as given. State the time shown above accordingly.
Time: 8h42m16s
